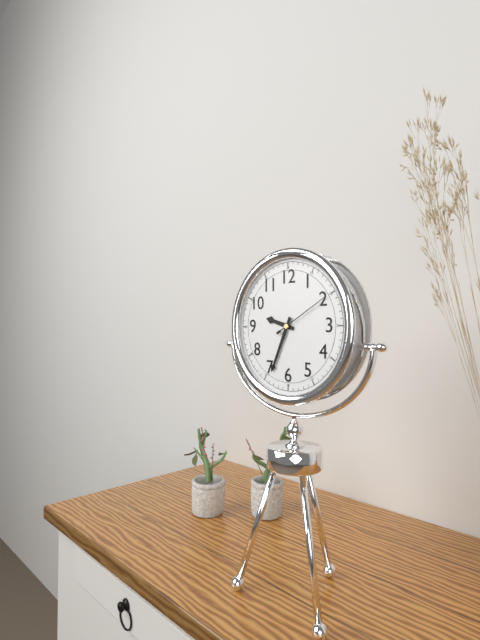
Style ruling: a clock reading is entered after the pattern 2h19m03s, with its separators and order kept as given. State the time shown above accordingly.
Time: 9h34m10s
